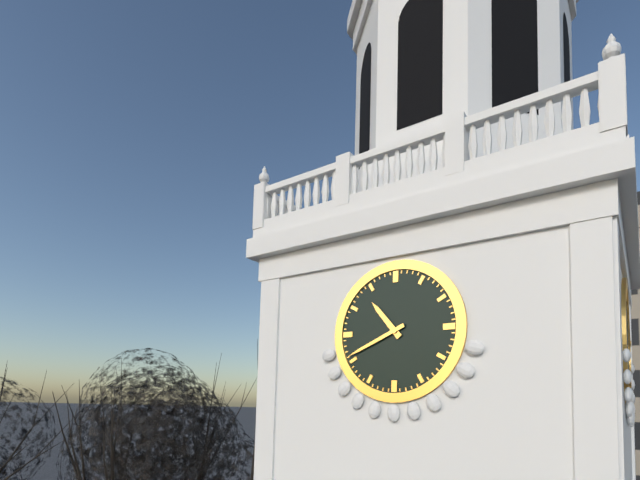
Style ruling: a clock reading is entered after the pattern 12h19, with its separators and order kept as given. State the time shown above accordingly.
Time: 10h41
